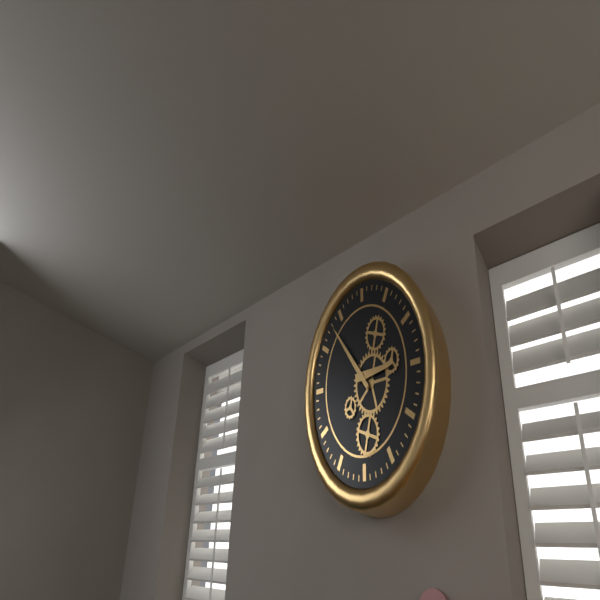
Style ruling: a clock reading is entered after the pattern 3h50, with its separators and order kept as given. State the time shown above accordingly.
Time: 2h53
